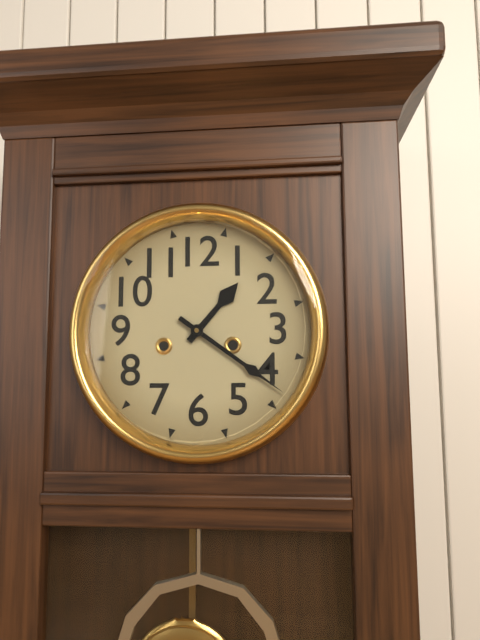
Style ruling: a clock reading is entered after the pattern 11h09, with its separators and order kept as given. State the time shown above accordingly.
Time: 1h21
